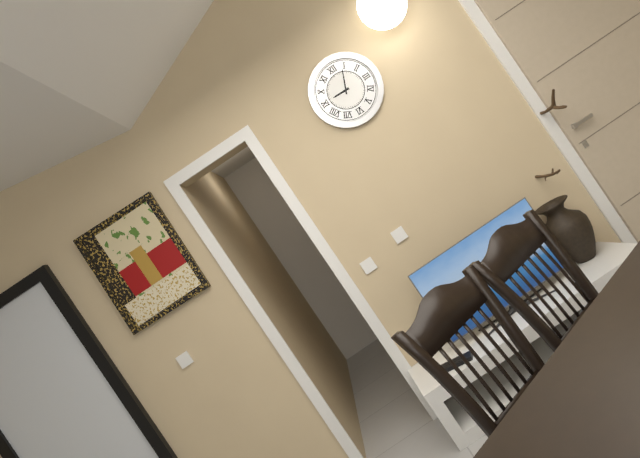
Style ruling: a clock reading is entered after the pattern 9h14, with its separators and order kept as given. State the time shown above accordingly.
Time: 9h04
